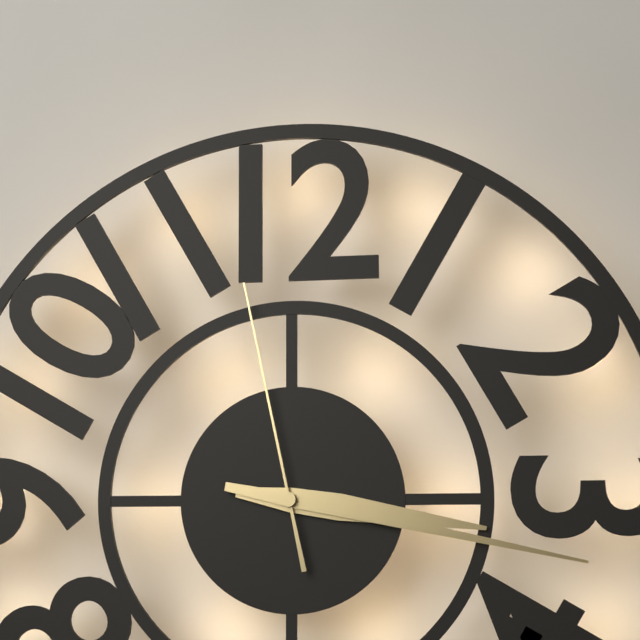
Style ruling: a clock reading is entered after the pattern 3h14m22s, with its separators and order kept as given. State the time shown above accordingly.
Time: 3h17m58s
